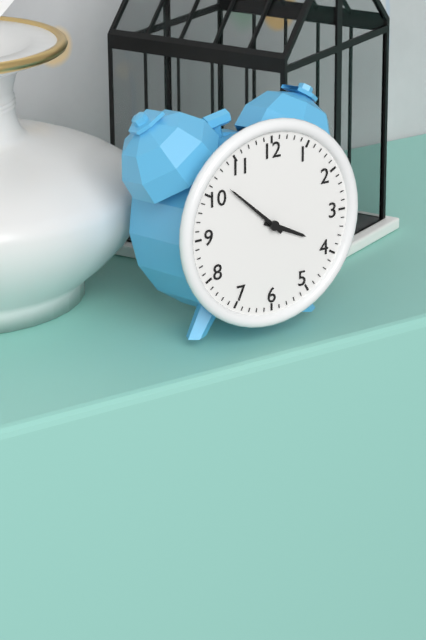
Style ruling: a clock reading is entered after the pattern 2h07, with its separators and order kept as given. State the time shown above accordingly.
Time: 3h52
